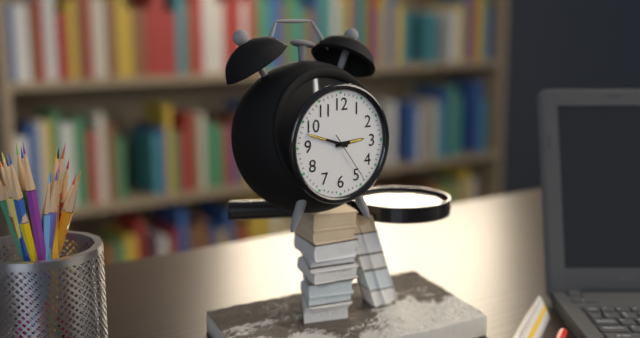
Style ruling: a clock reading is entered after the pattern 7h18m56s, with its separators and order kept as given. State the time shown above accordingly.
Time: 2h48m24s
